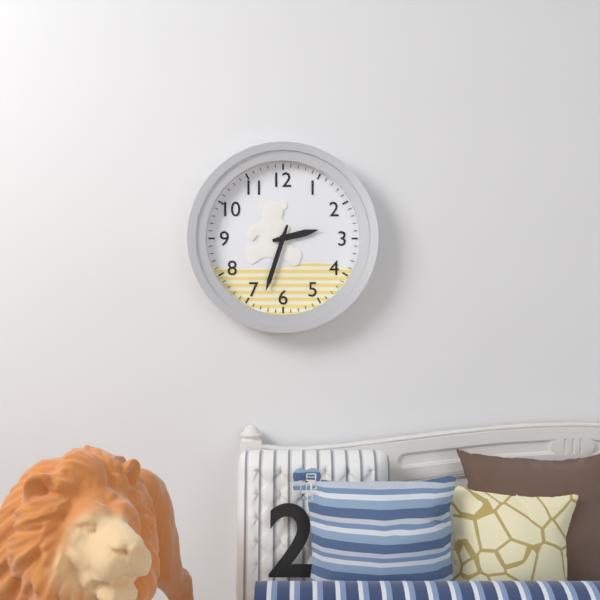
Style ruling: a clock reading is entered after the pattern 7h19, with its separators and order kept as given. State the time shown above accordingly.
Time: 2h33
